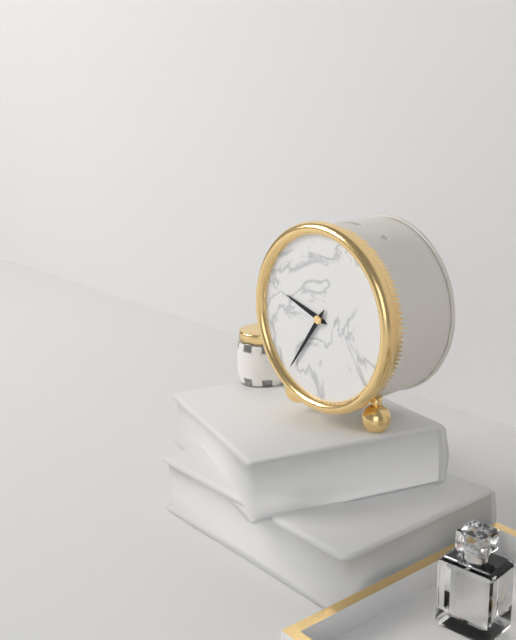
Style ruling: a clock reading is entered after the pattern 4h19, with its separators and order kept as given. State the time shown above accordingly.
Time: 9h36
